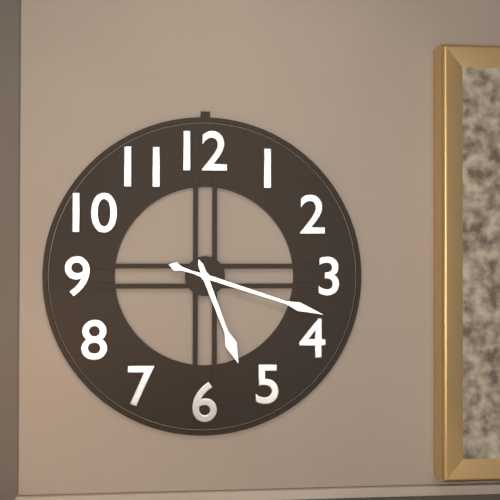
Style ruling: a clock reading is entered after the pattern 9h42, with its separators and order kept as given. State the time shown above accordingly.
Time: 5h18
